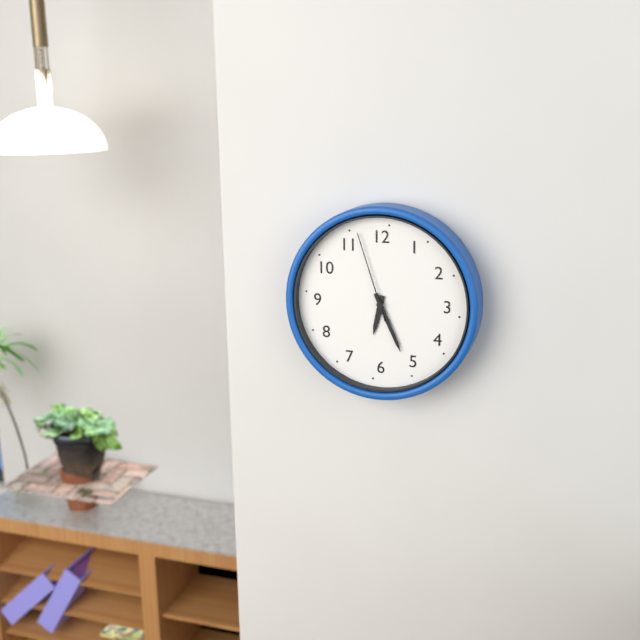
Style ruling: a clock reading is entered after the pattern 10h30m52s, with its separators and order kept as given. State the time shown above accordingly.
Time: 6h26m57s
